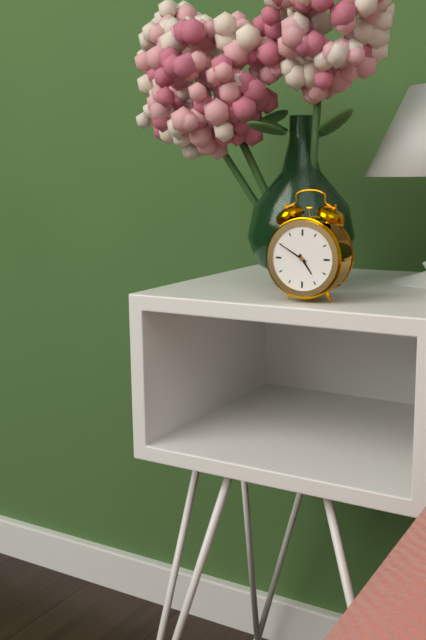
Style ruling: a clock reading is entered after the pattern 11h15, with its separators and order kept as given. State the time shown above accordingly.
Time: 4h50
